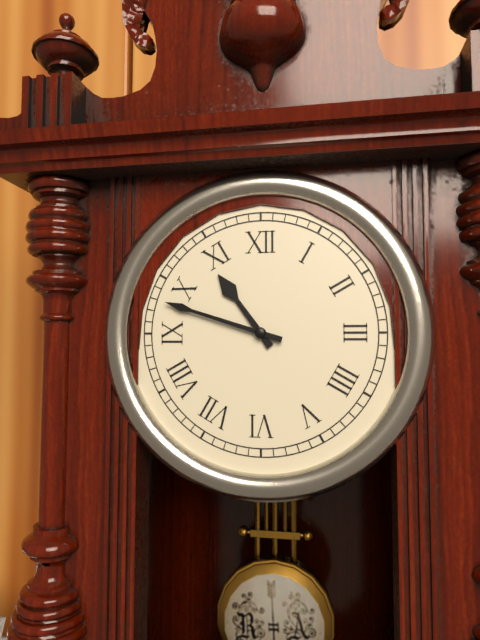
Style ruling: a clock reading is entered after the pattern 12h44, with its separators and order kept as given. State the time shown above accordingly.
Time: 10h48
